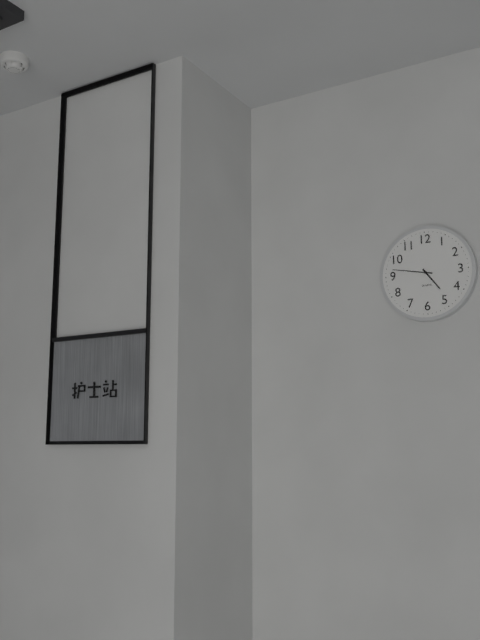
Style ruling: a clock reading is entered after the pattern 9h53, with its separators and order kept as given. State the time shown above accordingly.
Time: 4h47
